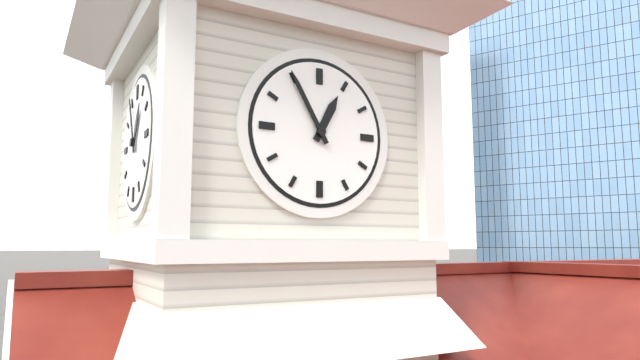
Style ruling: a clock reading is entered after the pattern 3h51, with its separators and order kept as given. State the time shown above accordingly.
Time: 12h55
